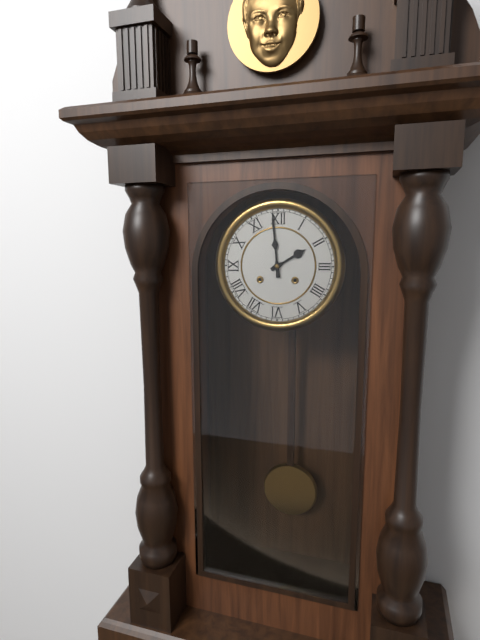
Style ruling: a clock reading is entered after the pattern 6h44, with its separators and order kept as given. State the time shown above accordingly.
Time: 1h59
